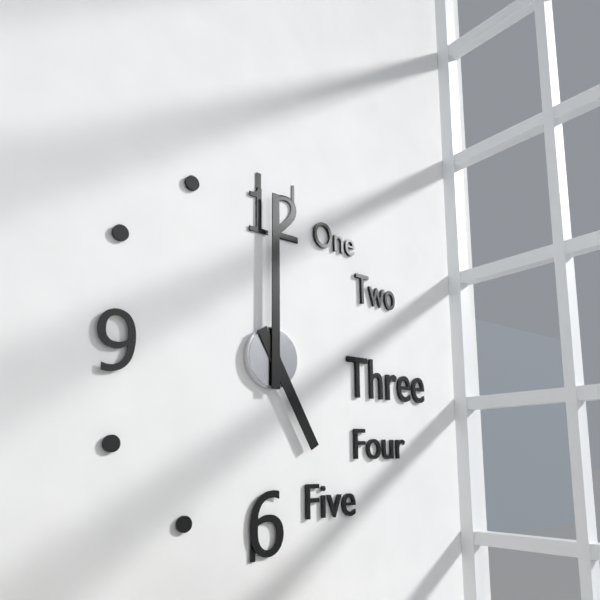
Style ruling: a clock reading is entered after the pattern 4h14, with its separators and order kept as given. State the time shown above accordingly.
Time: 5h00
